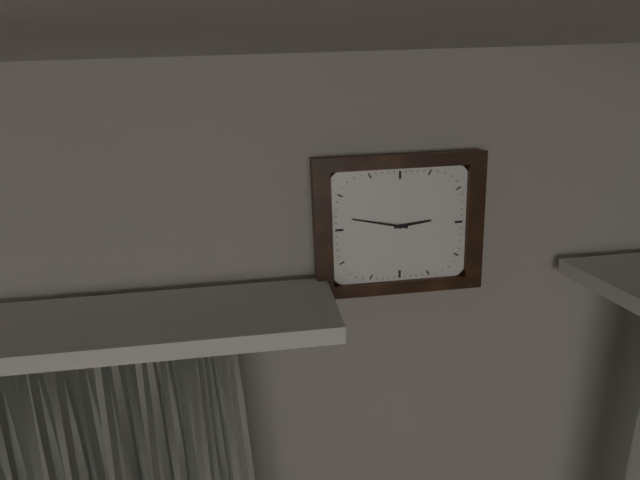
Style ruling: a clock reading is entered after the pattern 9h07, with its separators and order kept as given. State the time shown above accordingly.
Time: 2h47
